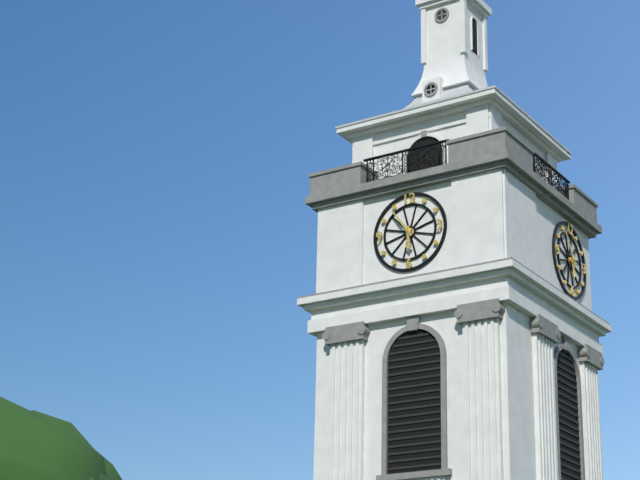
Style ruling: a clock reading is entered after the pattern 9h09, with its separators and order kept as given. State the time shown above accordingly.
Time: 5h54
